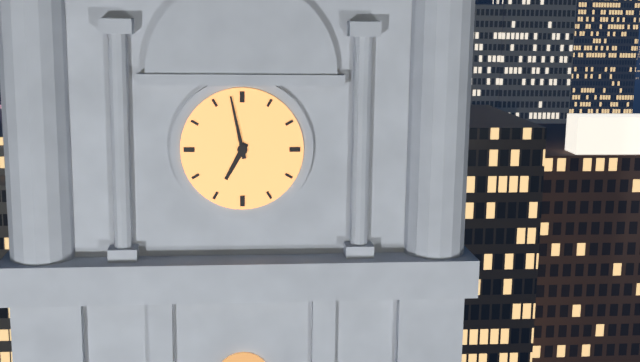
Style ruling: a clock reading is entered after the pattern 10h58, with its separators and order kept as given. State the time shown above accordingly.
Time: 6h58
